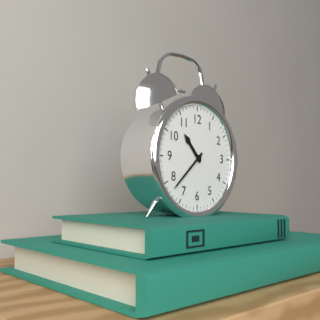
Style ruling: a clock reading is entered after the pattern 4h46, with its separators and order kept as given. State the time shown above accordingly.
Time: 10h38
